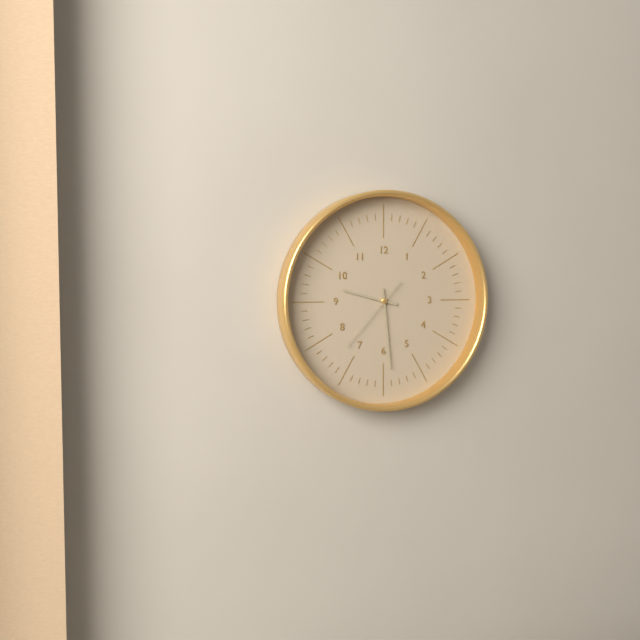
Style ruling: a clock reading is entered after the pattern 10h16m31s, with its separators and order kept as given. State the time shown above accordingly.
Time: 9h29m37s
